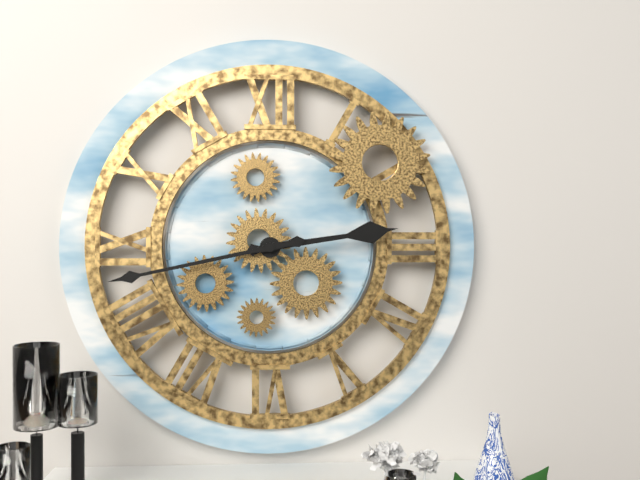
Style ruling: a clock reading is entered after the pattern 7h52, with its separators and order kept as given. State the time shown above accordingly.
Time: 2h43
